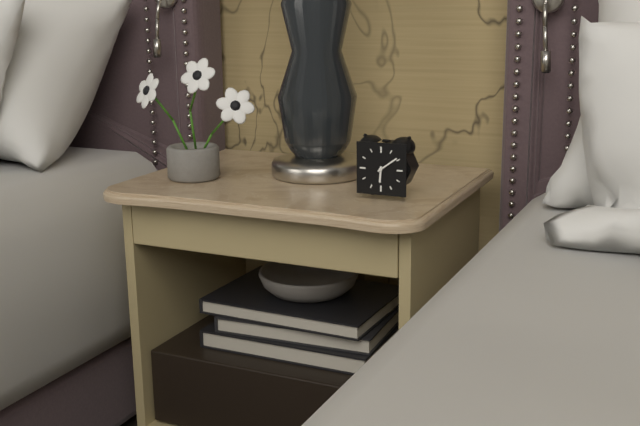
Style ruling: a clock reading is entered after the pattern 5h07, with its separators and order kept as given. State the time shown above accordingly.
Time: 6h09
